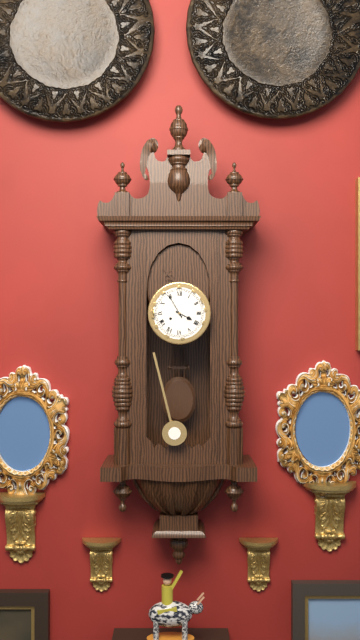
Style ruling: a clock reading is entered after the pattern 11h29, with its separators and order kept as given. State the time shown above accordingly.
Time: 3h55
